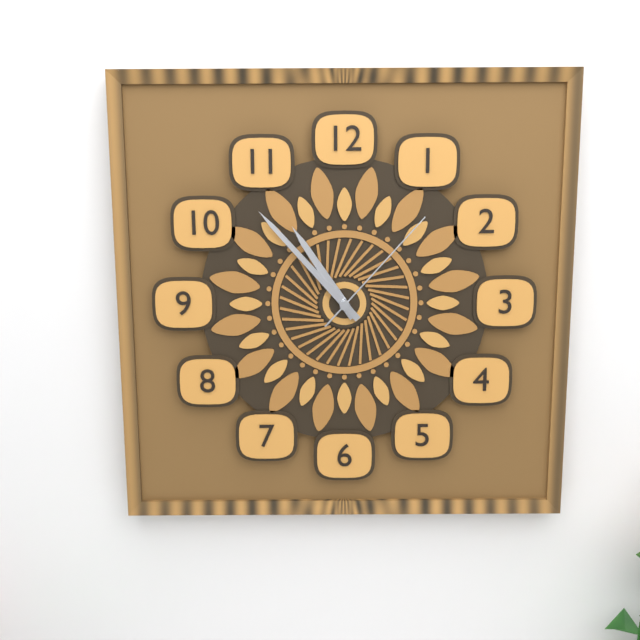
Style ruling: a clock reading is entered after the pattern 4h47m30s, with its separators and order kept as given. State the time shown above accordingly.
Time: 10h53m07s
